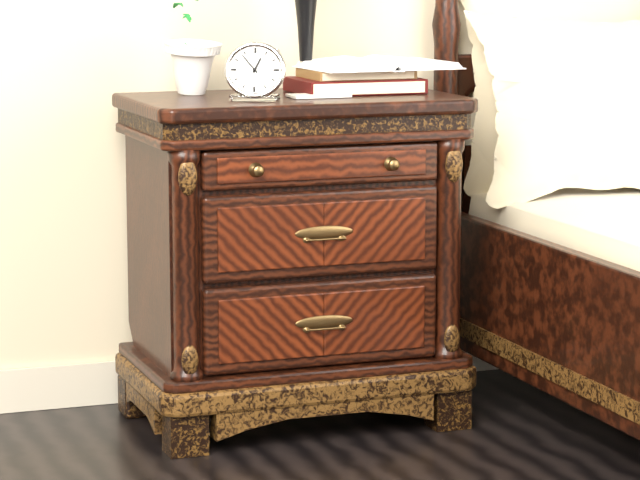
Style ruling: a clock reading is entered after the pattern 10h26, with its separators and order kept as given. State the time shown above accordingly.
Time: 12h53
